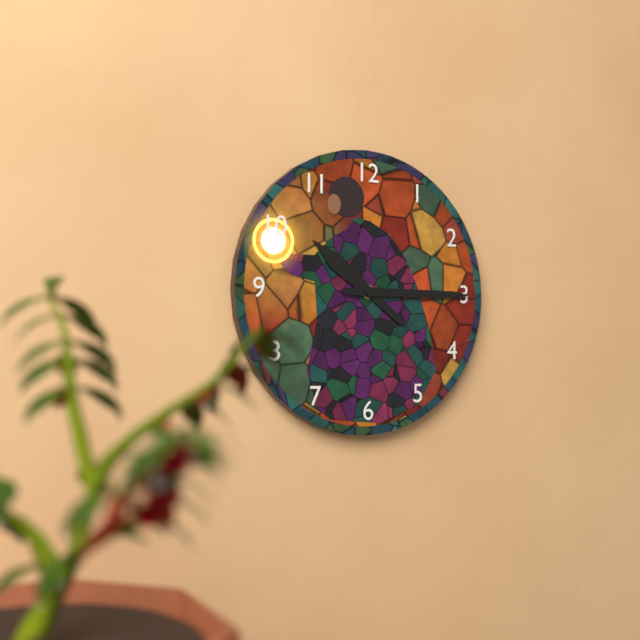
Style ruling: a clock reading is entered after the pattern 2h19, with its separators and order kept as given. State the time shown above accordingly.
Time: 10h15
